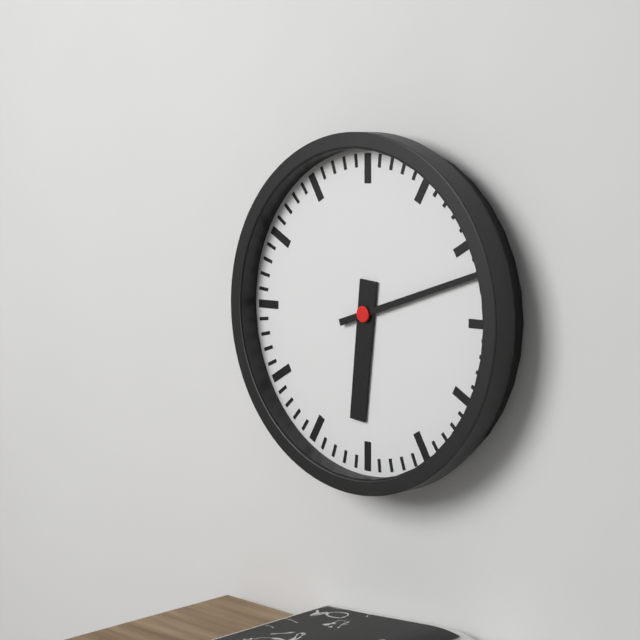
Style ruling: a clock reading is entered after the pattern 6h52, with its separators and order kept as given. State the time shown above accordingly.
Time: 6h12
